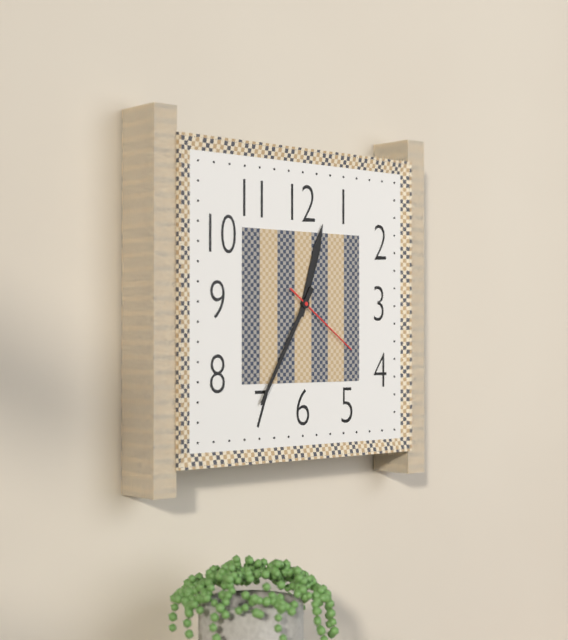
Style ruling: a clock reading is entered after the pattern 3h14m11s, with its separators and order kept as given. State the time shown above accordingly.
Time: 12h35m21s
